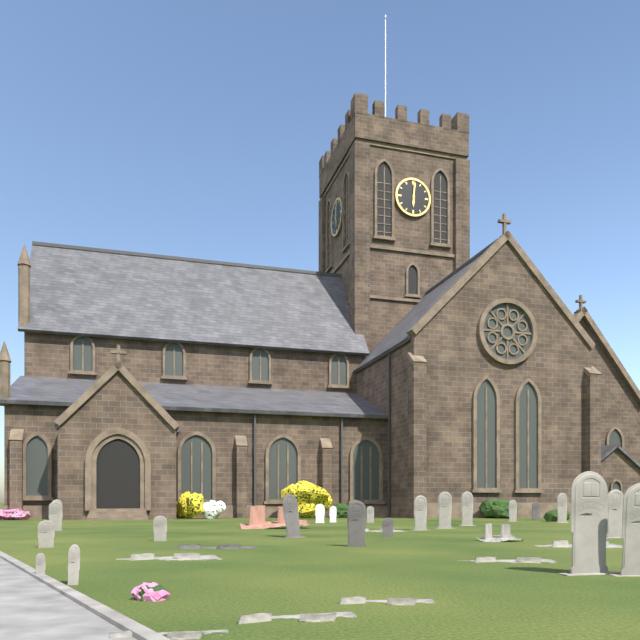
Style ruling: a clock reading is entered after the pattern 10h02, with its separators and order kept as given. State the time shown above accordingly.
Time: 6h01
